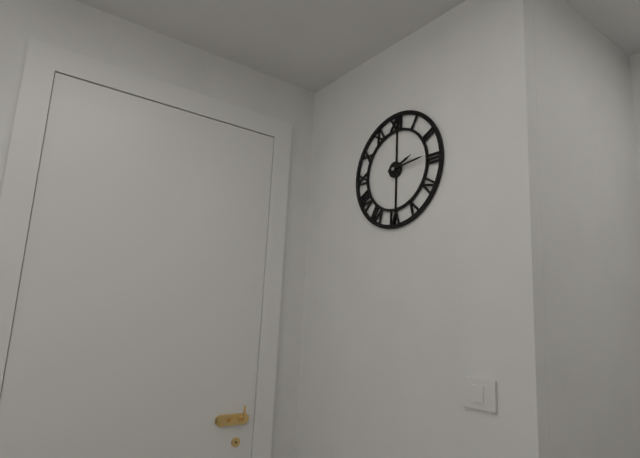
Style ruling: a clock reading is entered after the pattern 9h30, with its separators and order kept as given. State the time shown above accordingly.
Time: 2h14
